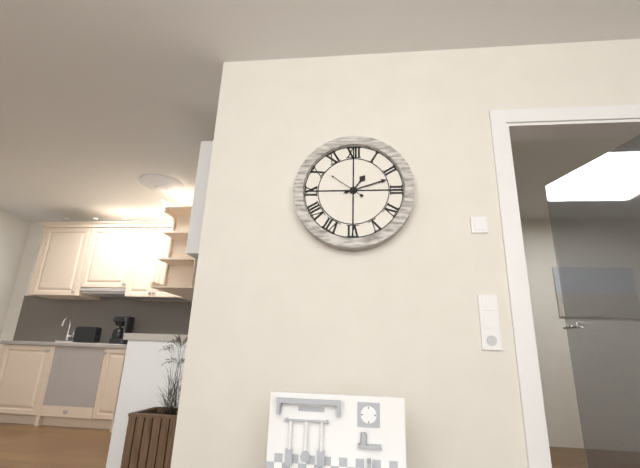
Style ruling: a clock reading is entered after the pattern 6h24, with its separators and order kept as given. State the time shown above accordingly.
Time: 1h12
